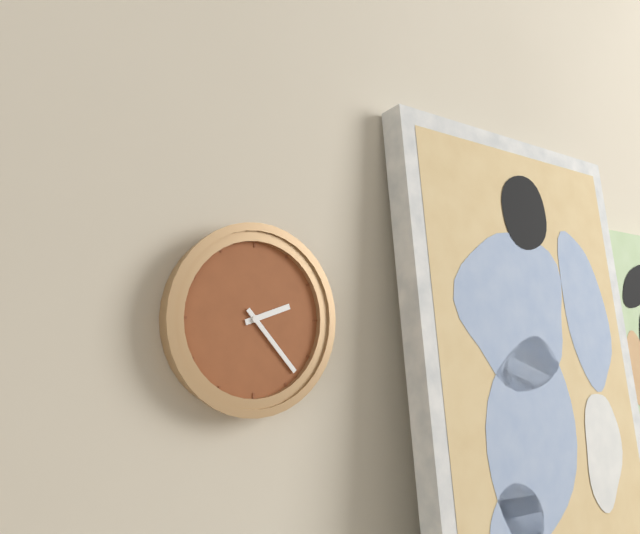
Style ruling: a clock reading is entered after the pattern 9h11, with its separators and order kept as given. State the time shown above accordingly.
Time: 2h23
